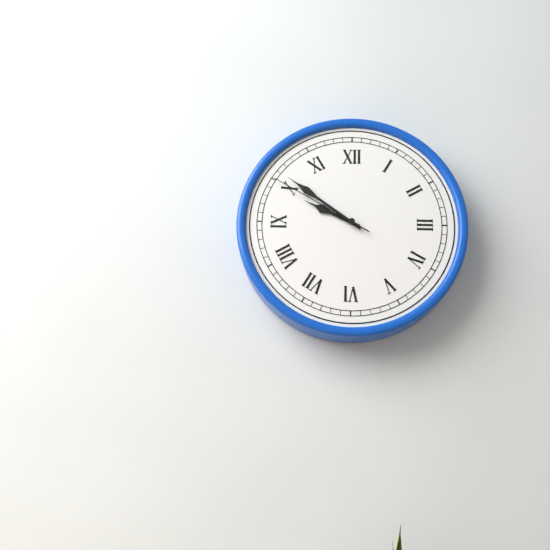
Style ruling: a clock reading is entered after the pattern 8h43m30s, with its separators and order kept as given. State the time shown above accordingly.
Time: 9h51m50s
